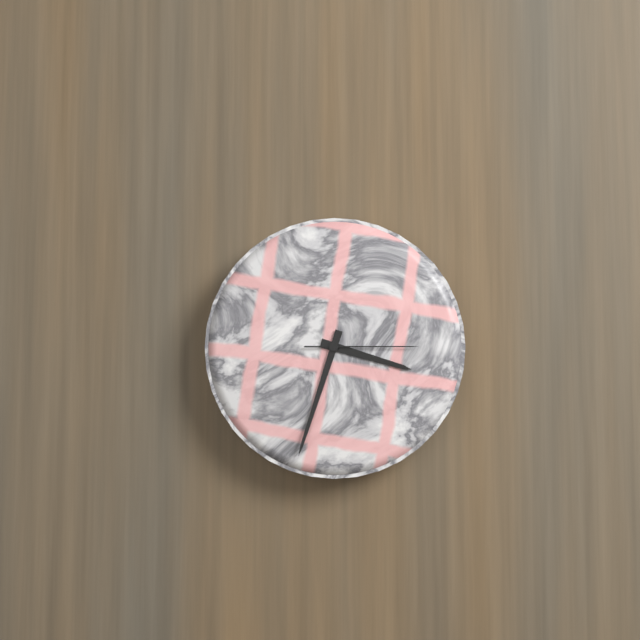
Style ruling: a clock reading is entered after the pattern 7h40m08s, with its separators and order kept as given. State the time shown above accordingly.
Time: 3h33m15s
